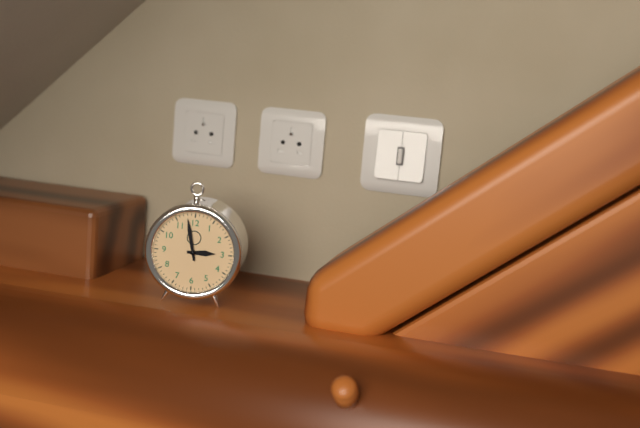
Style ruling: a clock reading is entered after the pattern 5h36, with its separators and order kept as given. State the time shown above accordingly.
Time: 2h58
